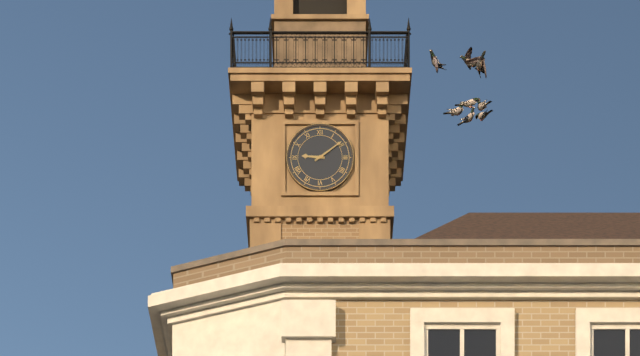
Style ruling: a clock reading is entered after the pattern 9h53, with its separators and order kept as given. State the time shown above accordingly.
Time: 9h09
